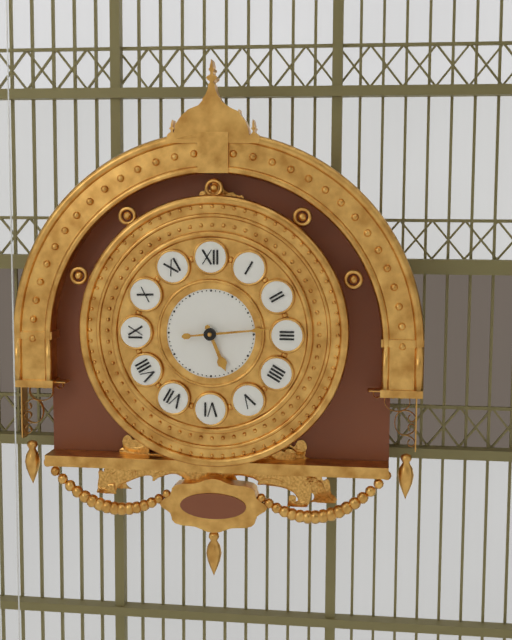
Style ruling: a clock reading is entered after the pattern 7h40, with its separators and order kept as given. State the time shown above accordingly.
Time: 5h14
